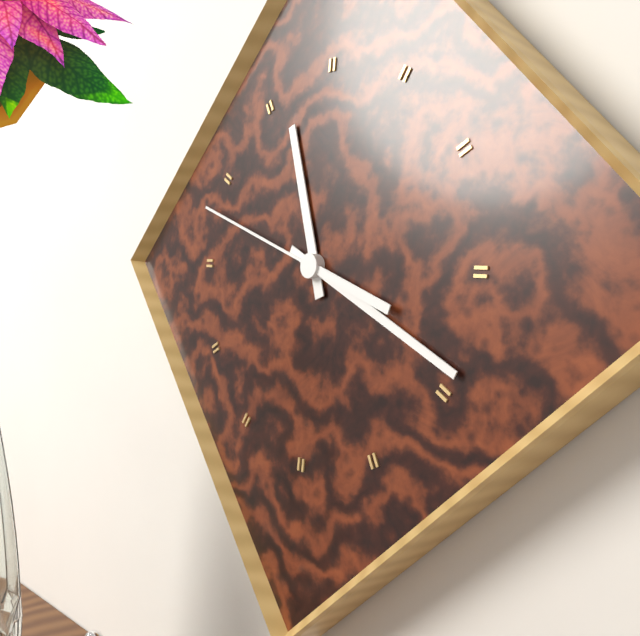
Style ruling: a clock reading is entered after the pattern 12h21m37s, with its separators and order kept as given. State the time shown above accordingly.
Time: 11h19m48s
